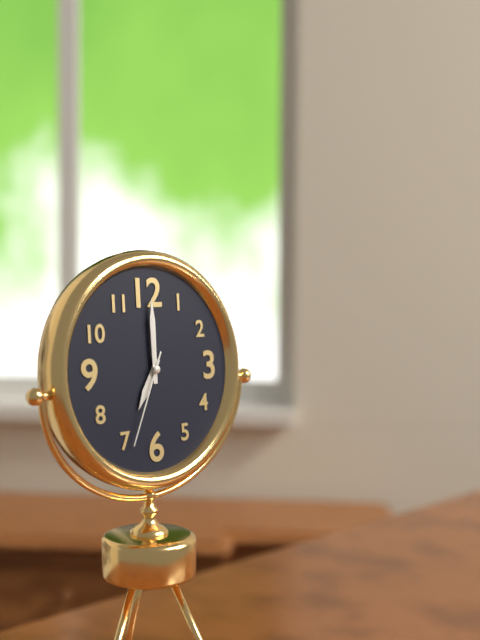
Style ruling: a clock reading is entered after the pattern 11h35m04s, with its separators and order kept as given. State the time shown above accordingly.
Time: 7h00m34s
